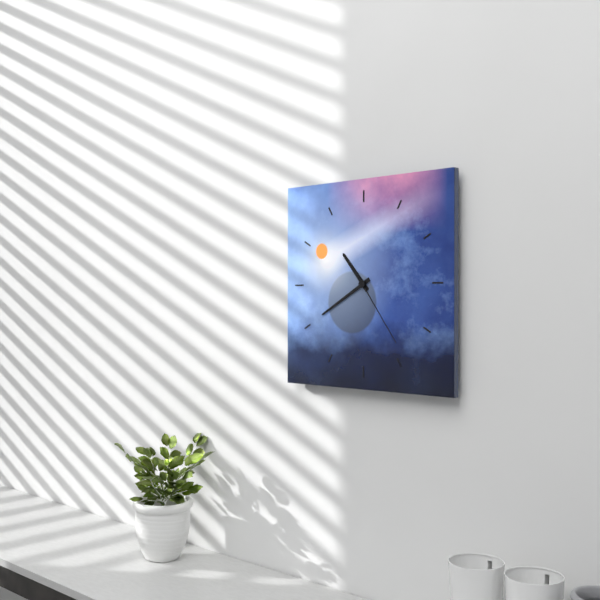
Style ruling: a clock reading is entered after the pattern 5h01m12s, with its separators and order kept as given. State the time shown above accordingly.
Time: 10h40m24s
